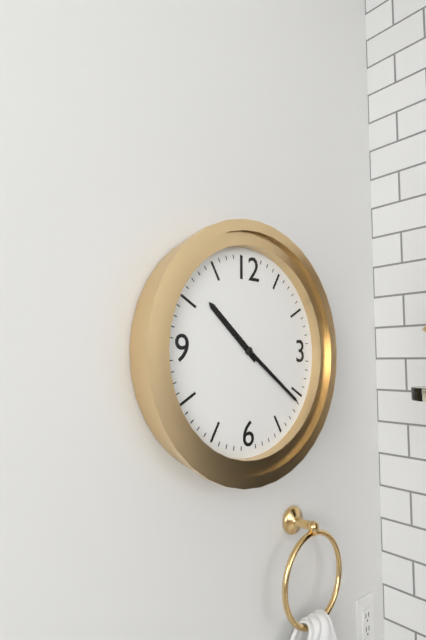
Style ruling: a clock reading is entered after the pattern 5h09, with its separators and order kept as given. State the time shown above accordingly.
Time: 10h21
